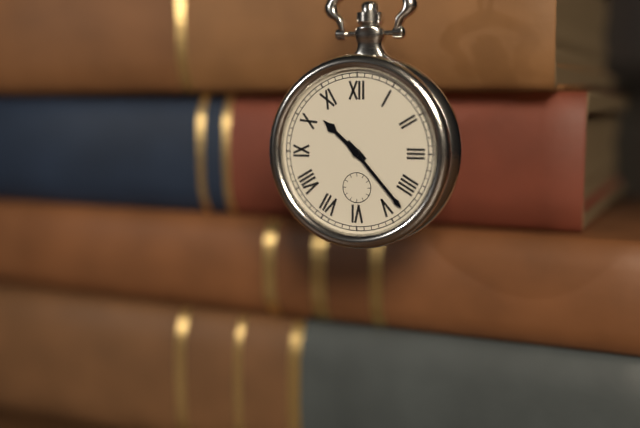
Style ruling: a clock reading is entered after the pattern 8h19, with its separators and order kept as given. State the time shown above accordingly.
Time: 10h23
